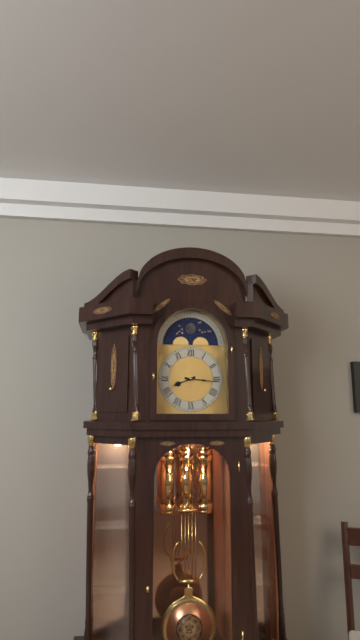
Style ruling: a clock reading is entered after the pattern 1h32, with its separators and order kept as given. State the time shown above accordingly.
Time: 8h16
